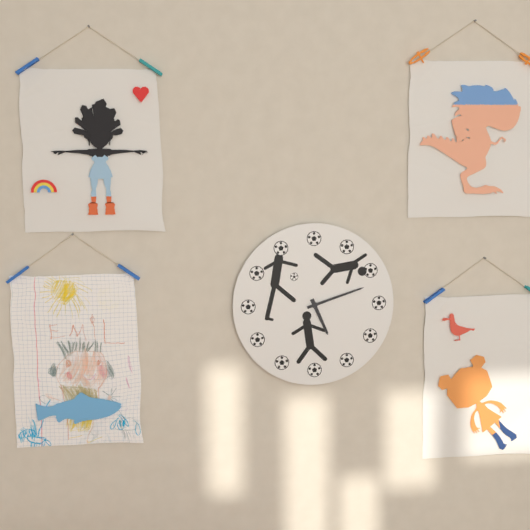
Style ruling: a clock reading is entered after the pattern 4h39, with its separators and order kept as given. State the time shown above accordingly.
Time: 5h12
